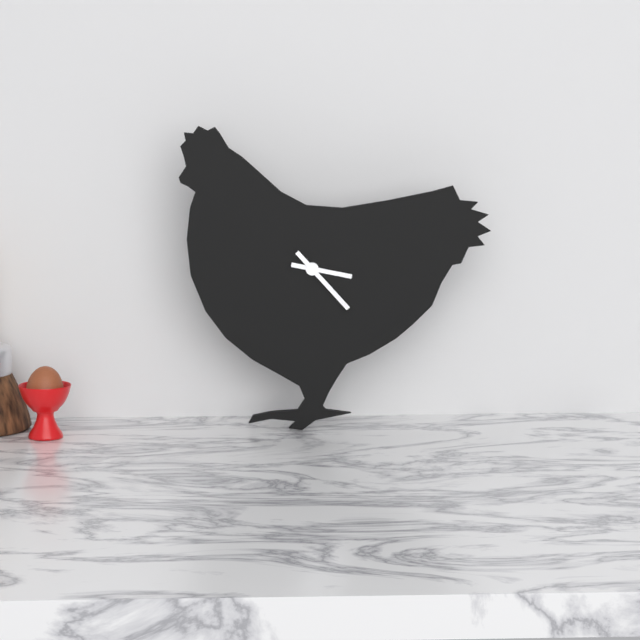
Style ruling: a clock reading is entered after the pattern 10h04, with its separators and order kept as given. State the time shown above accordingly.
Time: 3h23
